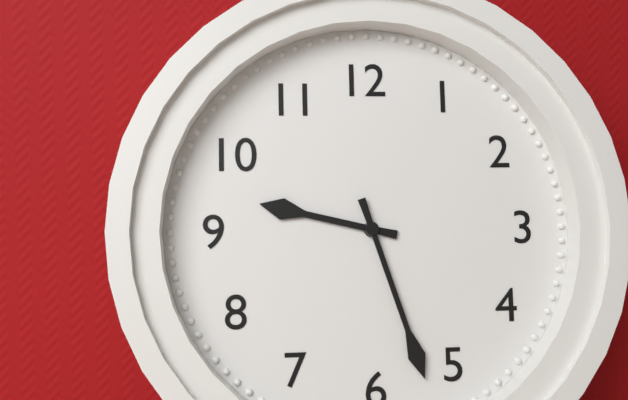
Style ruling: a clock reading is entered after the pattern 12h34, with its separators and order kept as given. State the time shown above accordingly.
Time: 9h27
